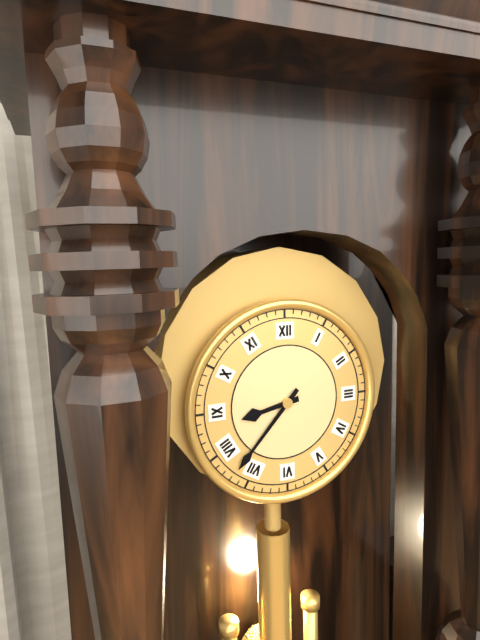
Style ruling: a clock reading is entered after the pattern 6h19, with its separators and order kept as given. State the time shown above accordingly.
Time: 8h37
